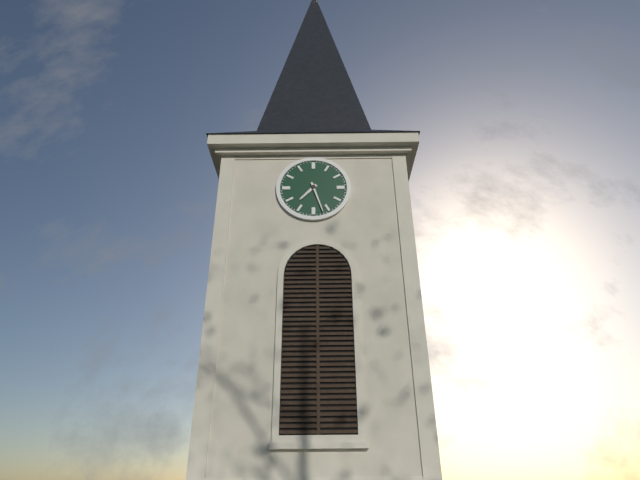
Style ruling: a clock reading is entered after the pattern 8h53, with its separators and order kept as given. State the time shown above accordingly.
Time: 7h27
